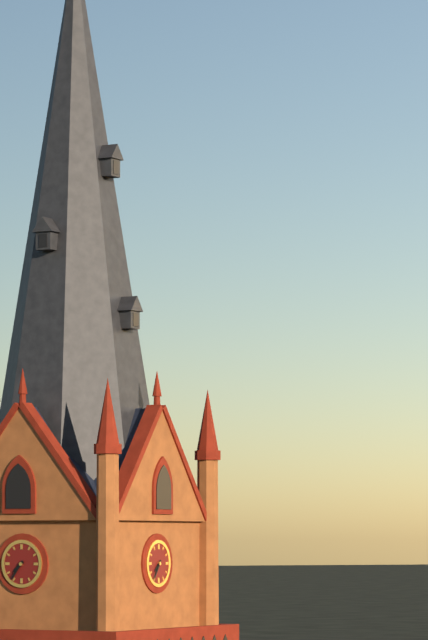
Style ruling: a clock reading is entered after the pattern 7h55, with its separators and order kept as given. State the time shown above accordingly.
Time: 7h36
